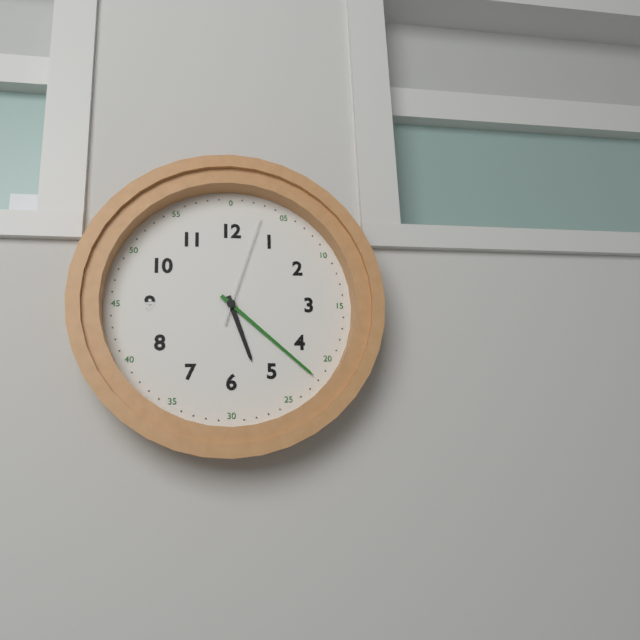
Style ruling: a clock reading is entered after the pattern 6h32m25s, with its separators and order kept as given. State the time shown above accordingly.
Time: 5h22m03s
